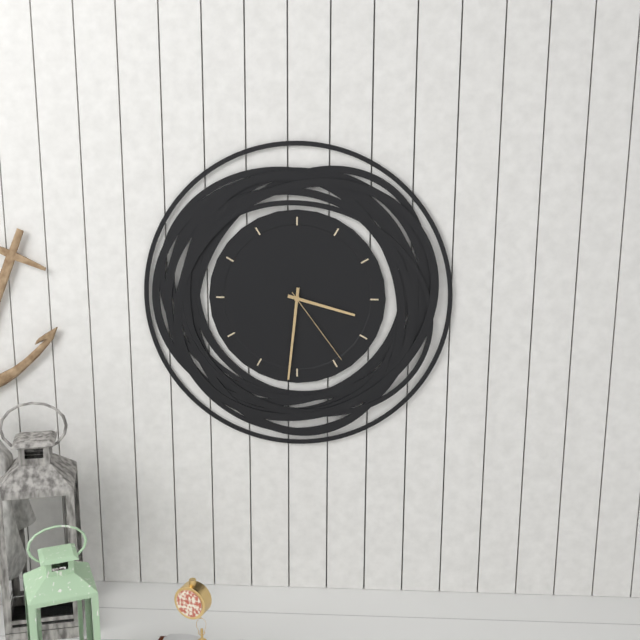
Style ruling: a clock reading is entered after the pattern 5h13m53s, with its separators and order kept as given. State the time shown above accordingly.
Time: 3h31m24s
